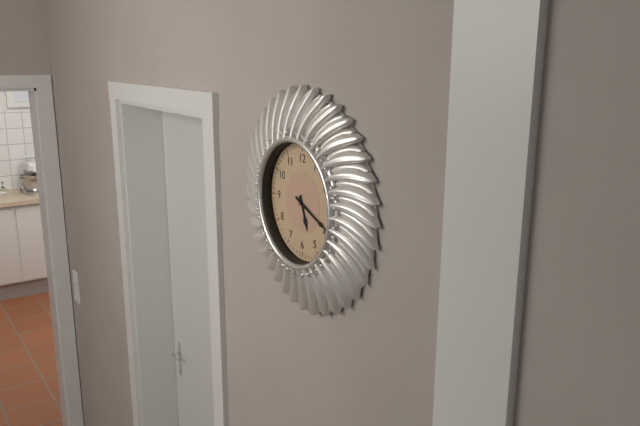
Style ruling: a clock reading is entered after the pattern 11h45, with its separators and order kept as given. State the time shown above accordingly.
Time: 5h19
